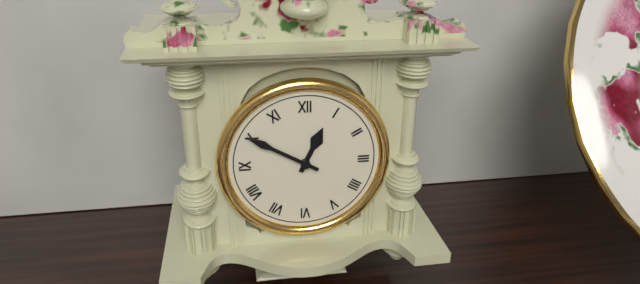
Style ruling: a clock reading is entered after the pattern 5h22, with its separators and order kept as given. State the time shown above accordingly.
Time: 12h50
